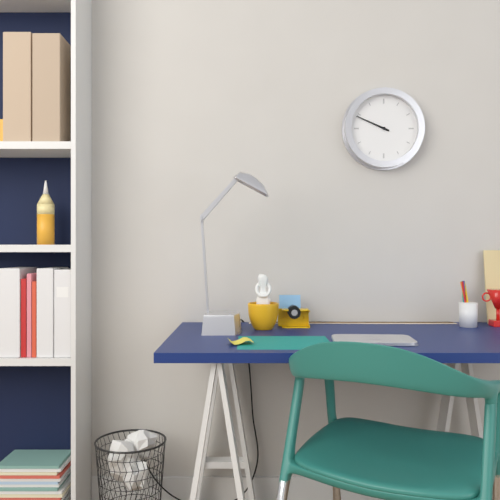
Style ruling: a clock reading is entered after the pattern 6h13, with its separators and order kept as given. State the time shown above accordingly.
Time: 9h49
